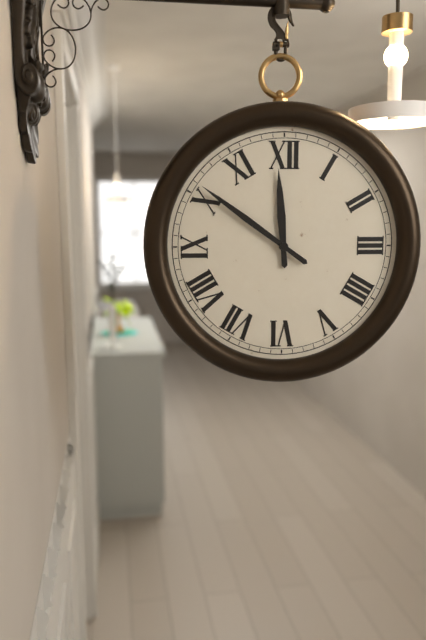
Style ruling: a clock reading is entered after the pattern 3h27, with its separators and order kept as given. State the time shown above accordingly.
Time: 11h51
